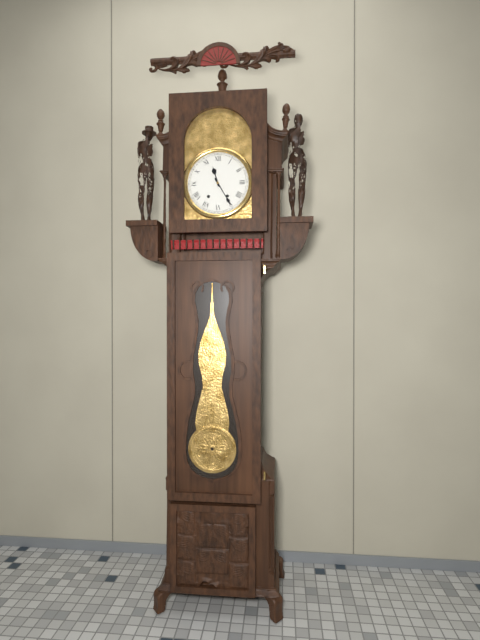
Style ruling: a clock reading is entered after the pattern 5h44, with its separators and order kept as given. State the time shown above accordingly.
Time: 11h25
